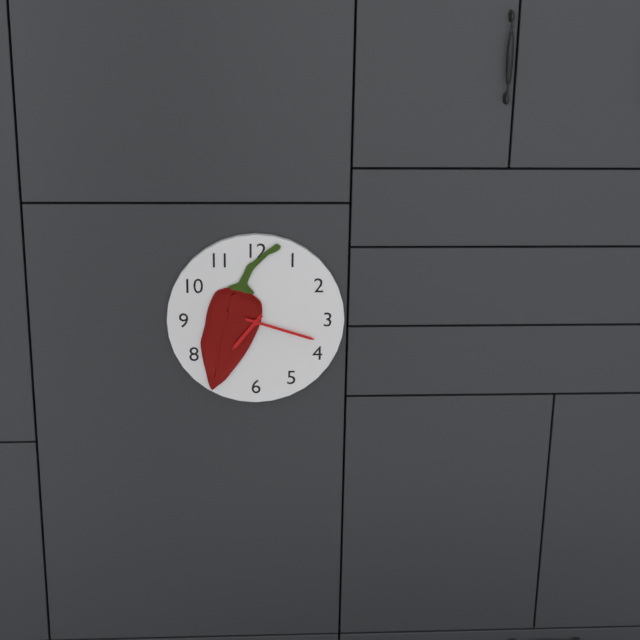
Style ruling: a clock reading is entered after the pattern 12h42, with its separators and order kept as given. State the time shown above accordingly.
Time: 7h18
